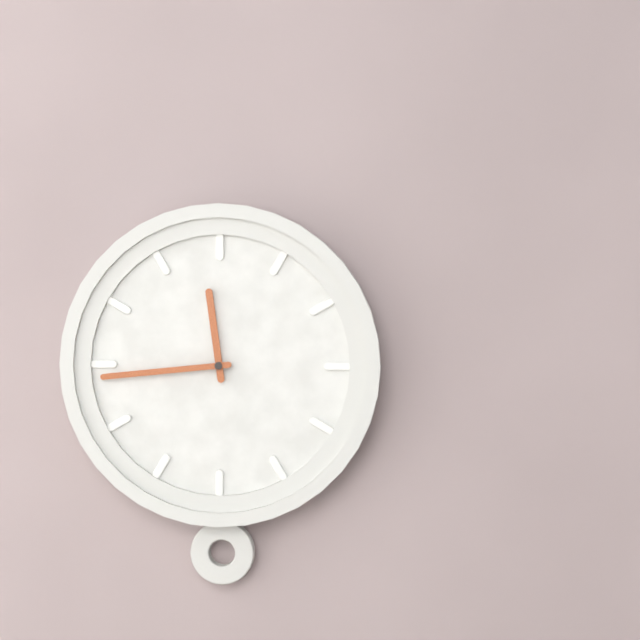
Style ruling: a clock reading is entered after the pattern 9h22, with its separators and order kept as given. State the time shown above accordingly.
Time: 11h44
